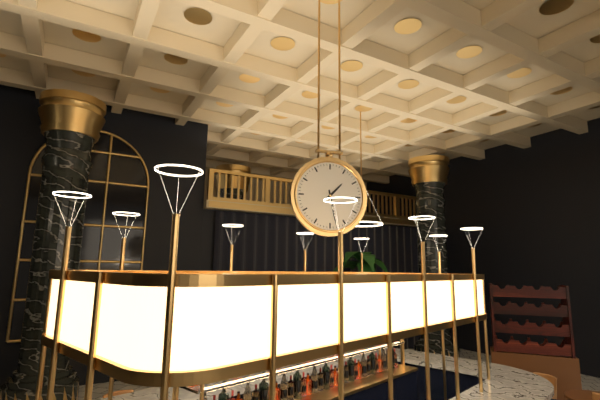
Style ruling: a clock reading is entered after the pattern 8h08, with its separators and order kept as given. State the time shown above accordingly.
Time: 1h28
